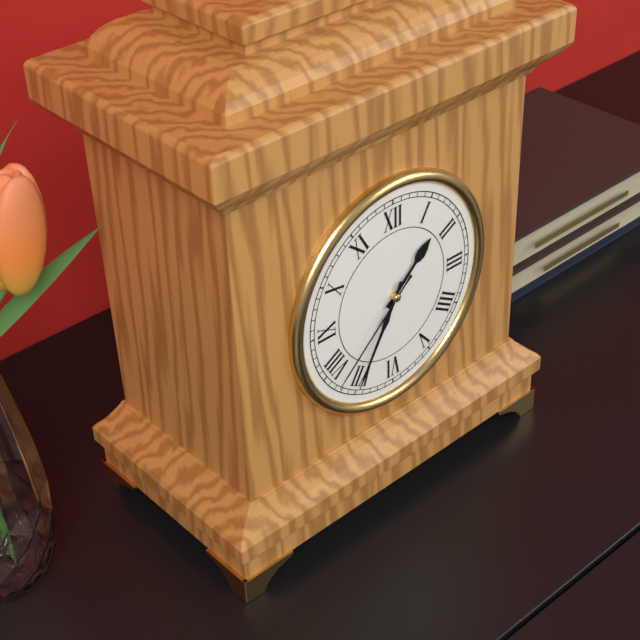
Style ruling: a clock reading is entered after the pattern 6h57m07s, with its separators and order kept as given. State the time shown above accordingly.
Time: 1h35m38s
